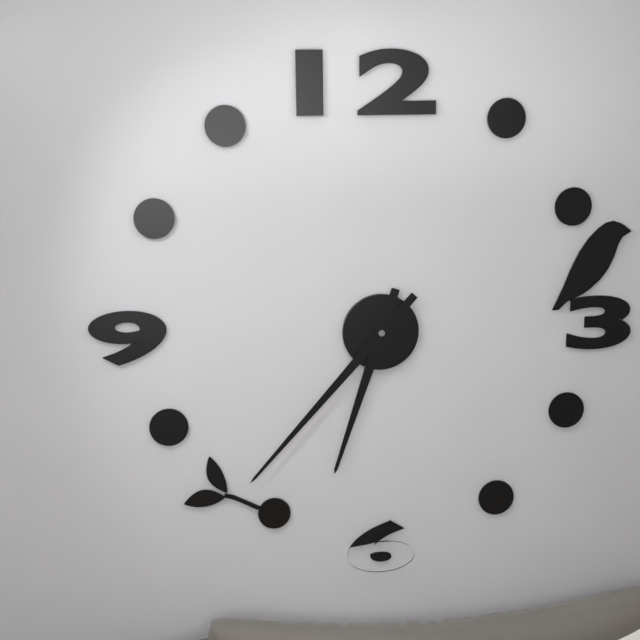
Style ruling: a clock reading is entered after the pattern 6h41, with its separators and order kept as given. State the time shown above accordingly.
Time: 6h37
